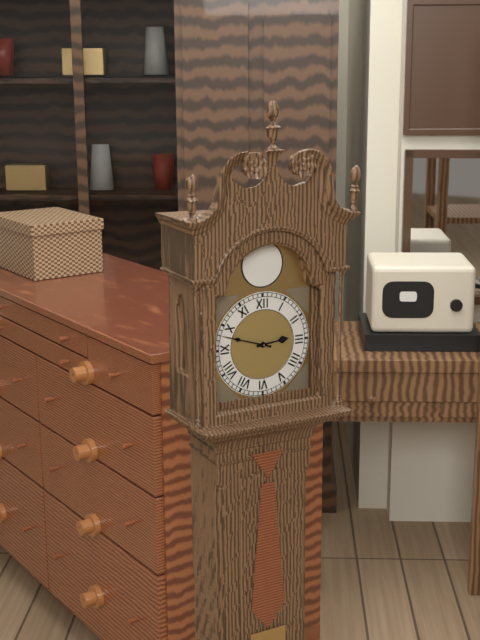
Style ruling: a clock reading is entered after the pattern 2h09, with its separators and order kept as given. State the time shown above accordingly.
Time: 2h48
